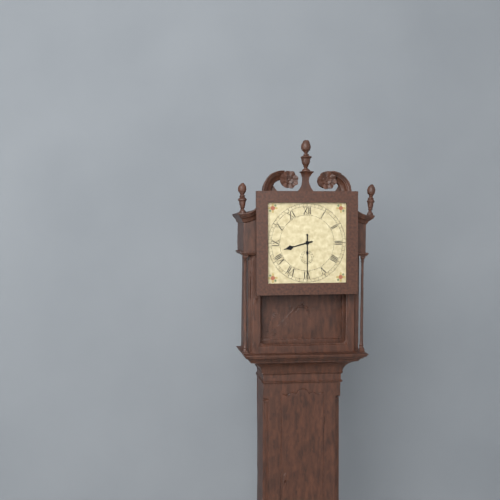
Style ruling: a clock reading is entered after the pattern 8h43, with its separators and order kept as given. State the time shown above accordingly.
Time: 8h30
